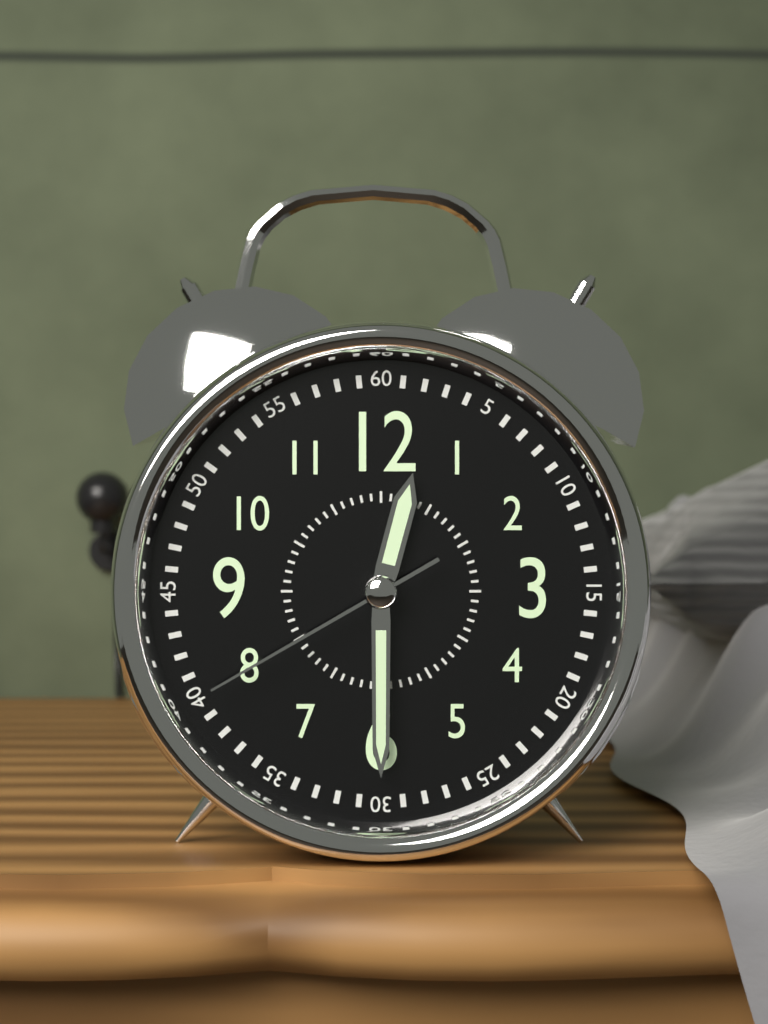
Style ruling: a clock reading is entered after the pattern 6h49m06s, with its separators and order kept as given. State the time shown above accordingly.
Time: 12h30m40s
